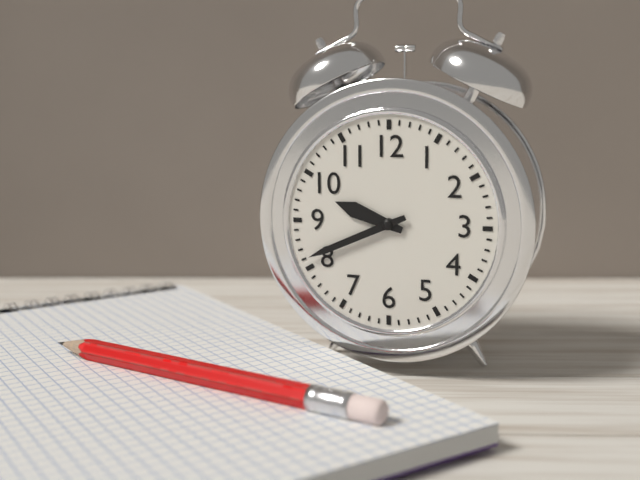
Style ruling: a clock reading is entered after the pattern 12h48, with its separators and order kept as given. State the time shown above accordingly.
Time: 9h41
